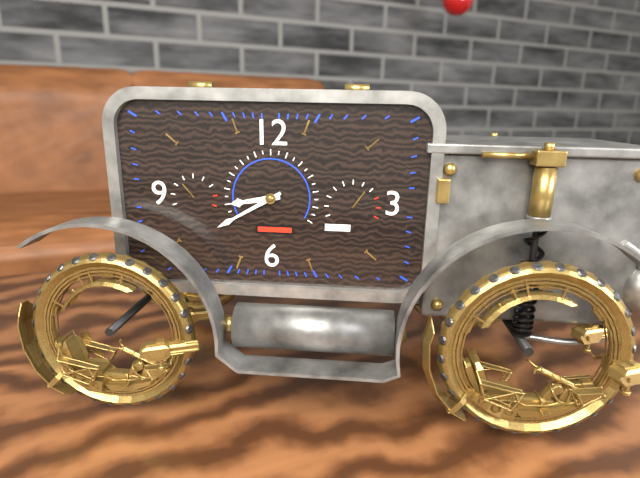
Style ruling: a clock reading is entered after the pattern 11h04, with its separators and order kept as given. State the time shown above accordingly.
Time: 8h40
